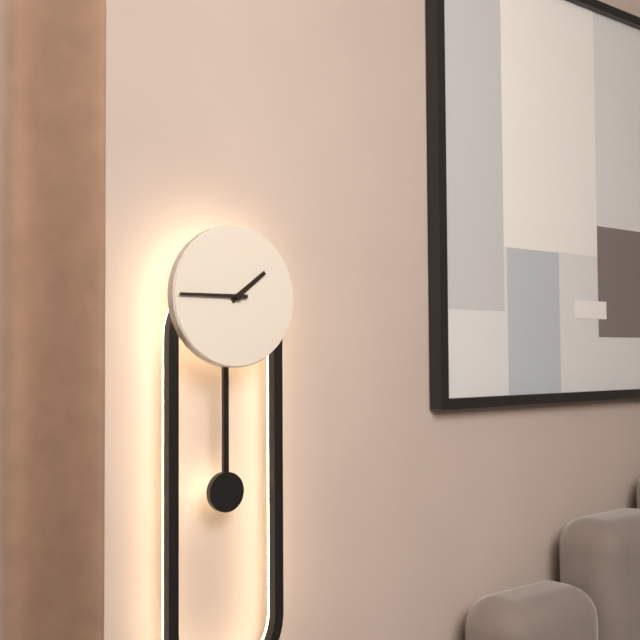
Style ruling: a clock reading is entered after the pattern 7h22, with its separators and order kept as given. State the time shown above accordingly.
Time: 1h45
